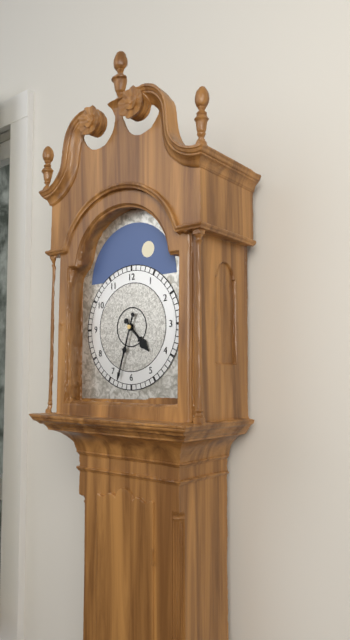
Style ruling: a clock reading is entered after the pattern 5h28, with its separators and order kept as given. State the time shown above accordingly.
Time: 4h33
